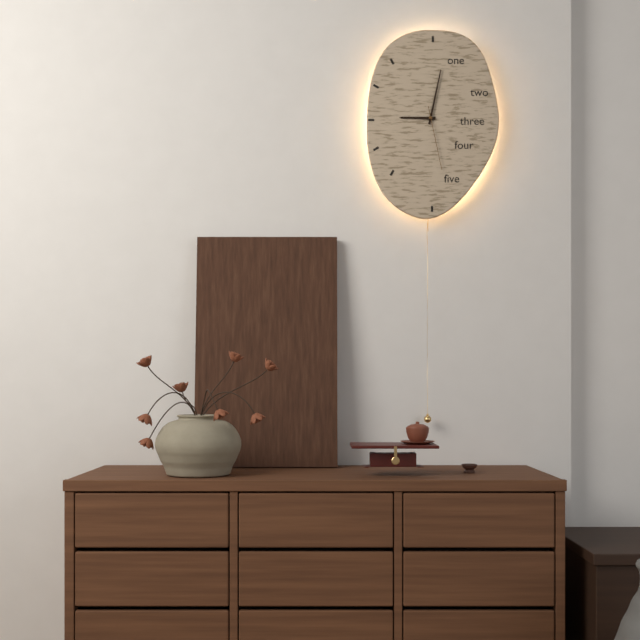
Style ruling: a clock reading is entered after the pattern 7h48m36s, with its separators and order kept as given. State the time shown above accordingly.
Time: 9h02m28s
